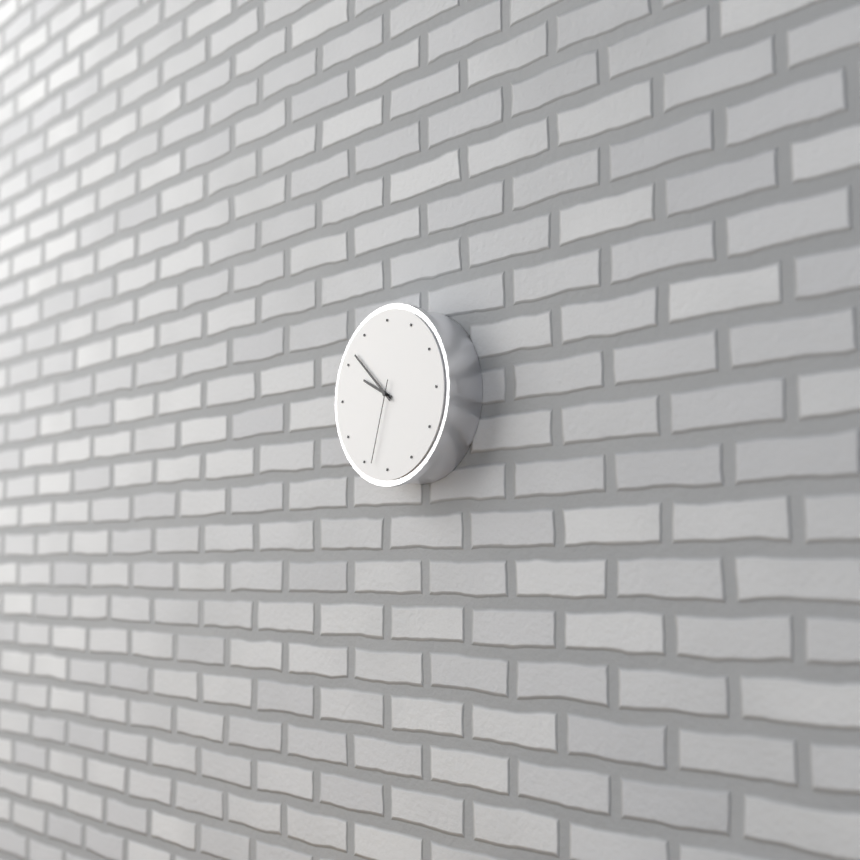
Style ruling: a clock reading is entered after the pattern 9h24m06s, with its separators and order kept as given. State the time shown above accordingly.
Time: 9h52m33s
